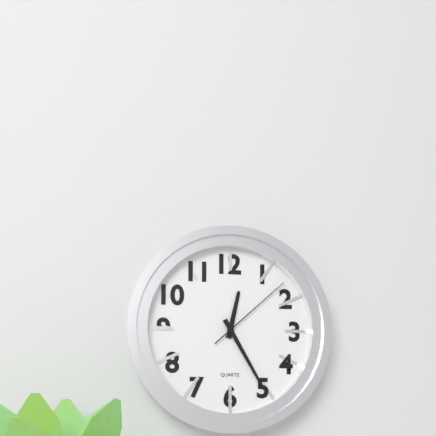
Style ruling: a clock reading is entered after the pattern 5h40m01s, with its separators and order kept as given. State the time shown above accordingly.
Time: 12h25m08s
